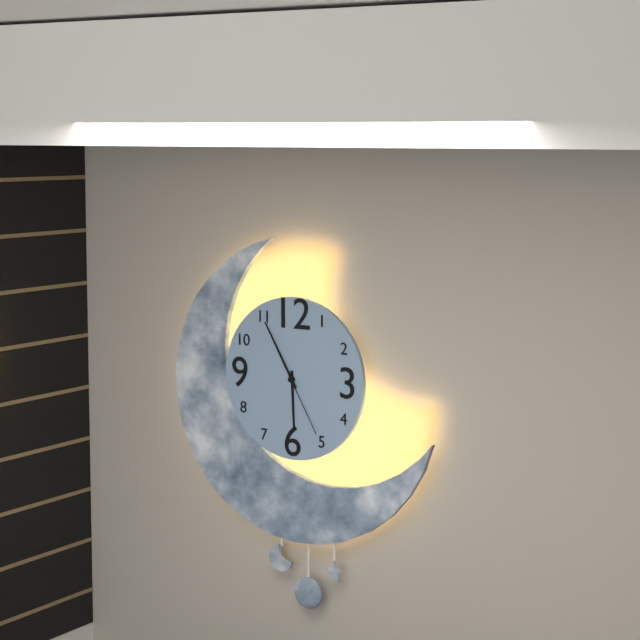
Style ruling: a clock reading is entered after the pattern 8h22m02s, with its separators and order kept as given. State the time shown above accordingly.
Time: 5h55m25s
